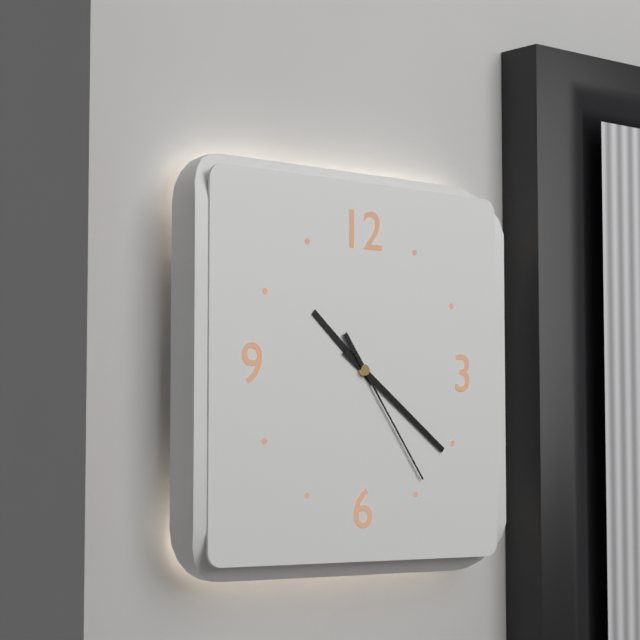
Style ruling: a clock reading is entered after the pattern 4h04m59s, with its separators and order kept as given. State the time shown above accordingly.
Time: 10h21m24s
